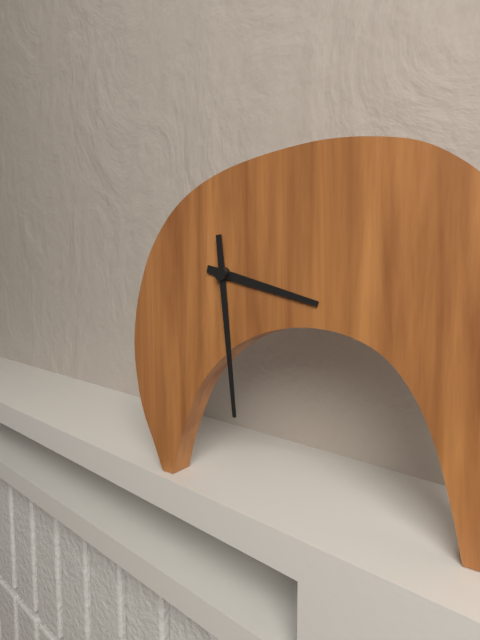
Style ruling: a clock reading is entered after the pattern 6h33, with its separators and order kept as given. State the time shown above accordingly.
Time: 3h29
